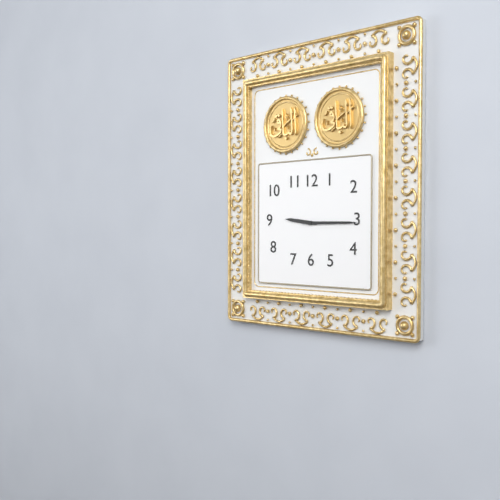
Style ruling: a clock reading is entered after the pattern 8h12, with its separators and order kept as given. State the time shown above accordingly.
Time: 9h15
